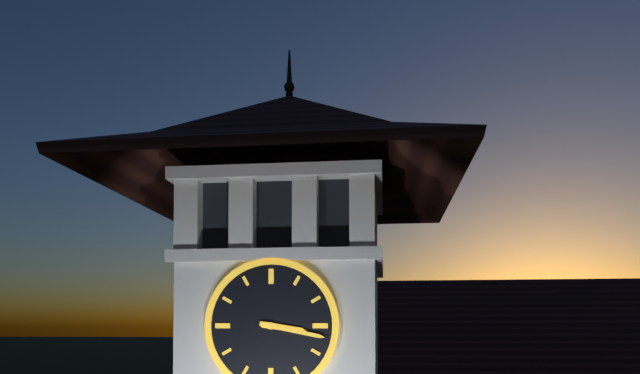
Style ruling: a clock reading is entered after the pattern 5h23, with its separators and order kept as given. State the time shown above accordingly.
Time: 3h17
